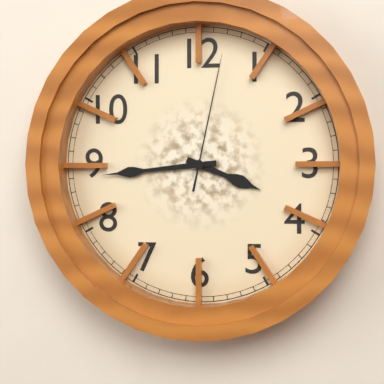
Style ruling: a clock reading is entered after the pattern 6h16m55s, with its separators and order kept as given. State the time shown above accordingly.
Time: 3h44m02s
